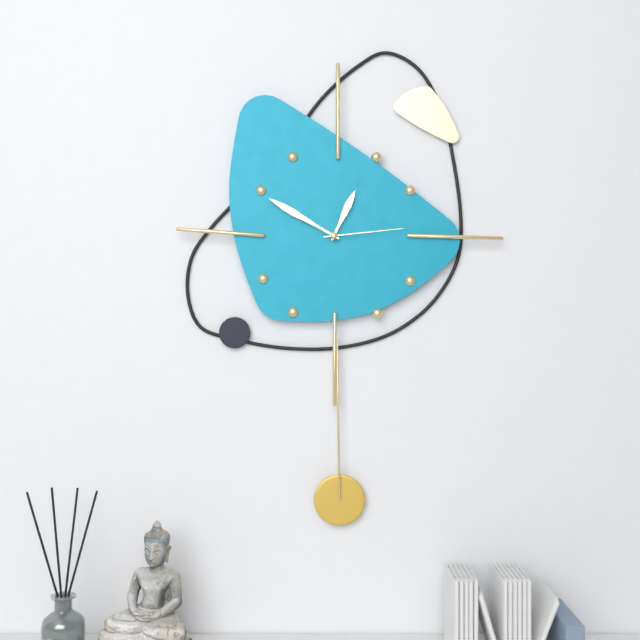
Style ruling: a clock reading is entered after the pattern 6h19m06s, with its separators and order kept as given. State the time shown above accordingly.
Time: 12h50m14s
